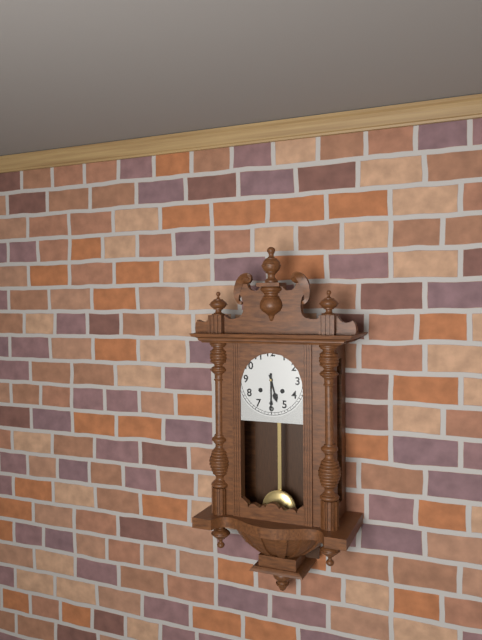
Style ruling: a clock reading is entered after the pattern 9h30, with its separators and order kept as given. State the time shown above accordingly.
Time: 5h30
